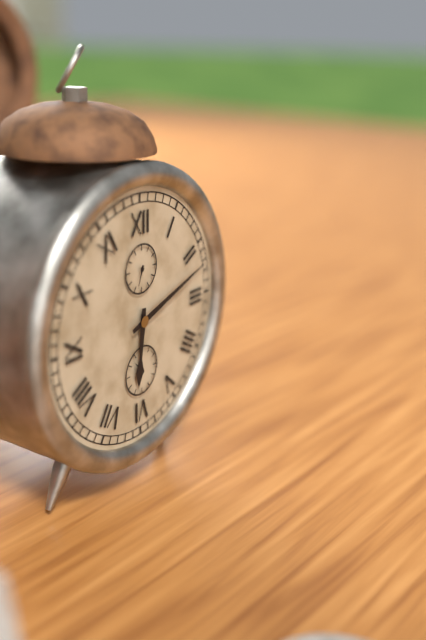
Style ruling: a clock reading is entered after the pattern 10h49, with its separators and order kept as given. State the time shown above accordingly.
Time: 6h12
